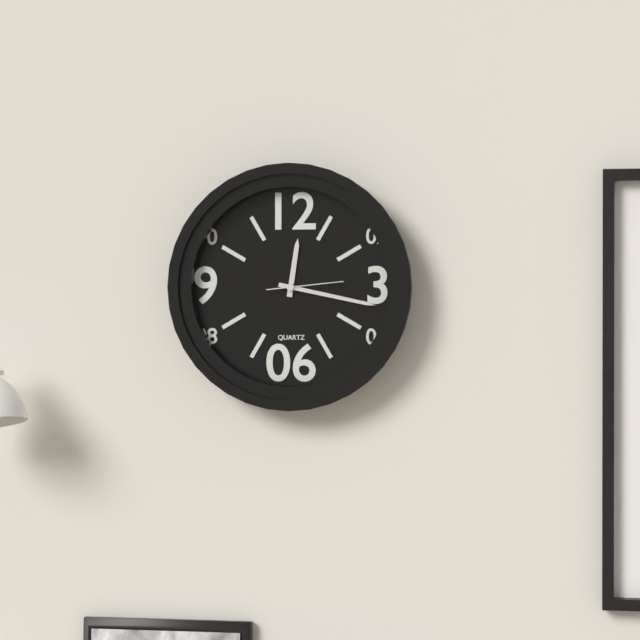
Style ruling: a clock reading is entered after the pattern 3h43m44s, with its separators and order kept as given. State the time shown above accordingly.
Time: 12h17m14s
